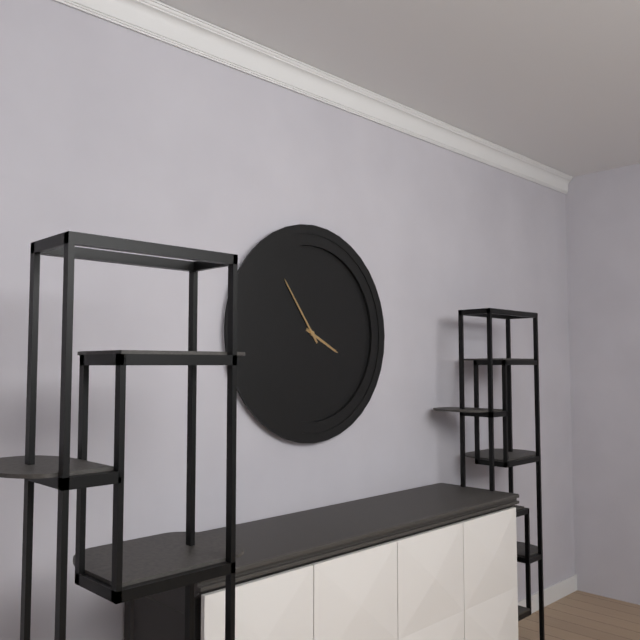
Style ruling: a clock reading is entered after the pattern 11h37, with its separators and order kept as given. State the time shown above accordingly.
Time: 3h54
